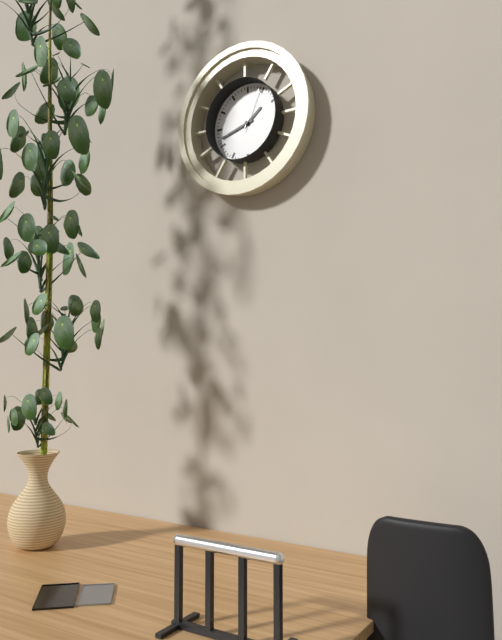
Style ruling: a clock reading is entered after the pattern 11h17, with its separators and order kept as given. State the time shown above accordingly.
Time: 1h42
